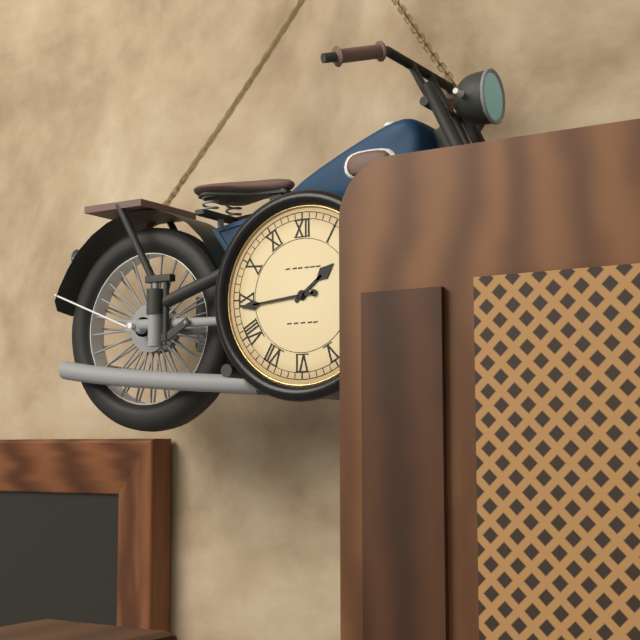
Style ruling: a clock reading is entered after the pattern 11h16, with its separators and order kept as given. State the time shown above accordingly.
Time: 1h44
